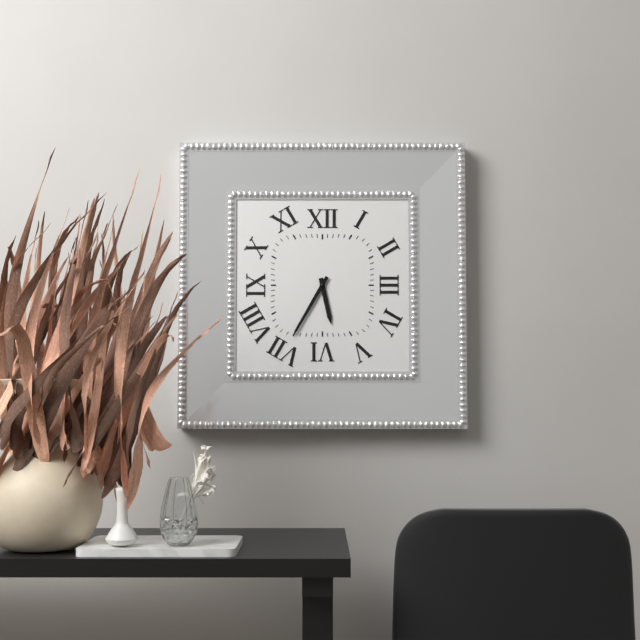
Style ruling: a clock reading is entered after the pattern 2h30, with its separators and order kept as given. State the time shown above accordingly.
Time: 5h35
